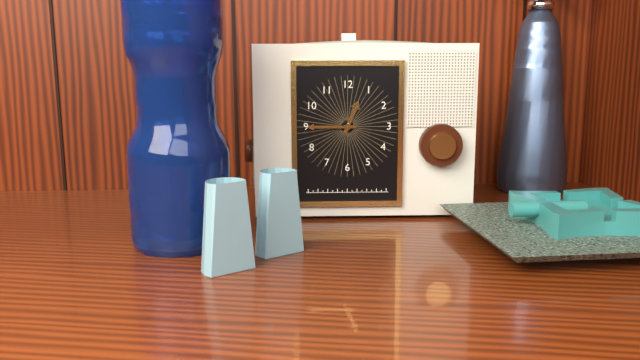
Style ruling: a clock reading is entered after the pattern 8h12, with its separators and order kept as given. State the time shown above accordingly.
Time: 12h45
